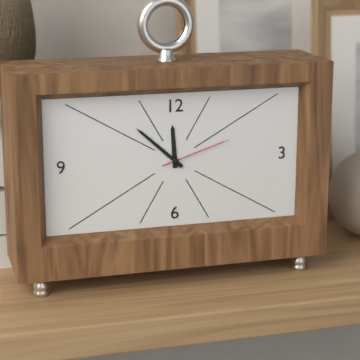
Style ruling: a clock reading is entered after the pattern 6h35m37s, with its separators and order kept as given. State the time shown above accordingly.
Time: 11h52m12s
